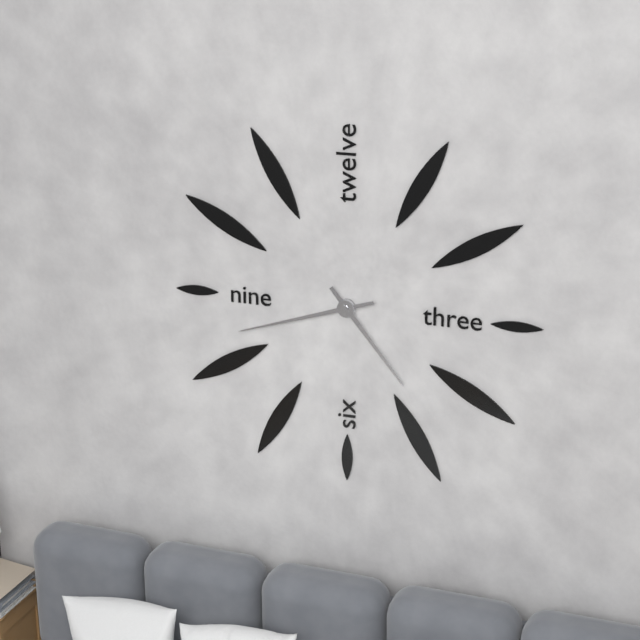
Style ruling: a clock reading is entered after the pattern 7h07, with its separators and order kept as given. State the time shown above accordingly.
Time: 4h42
